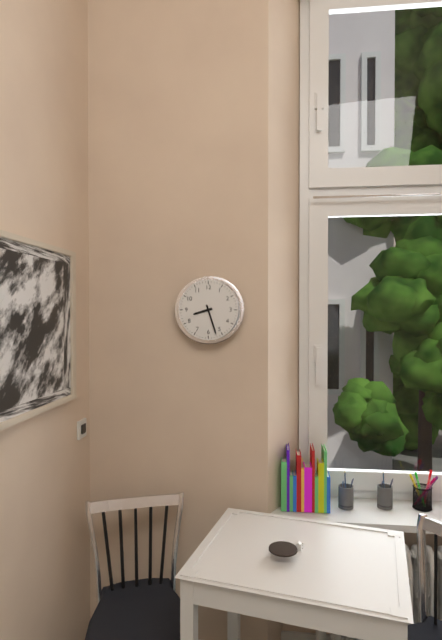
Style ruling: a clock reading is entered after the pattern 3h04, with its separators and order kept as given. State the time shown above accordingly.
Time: 8h27
